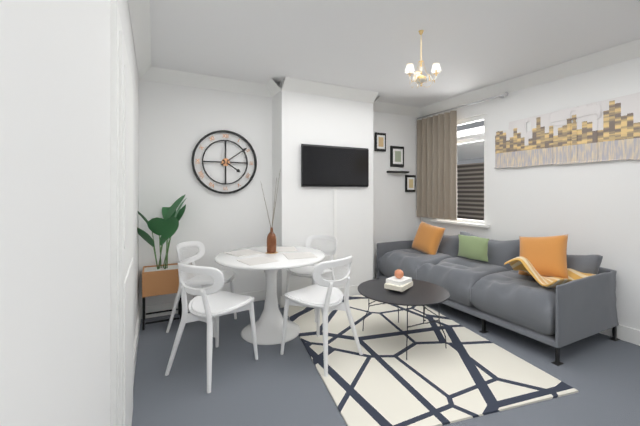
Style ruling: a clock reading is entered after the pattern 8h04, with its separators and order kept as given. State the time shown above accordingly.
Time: 4h09
